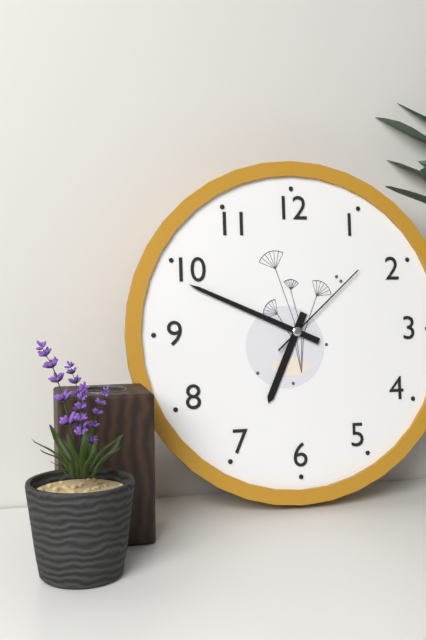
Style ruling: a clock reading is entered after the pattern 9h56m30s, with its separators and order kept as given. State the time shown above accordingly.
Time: 6h49m08s
